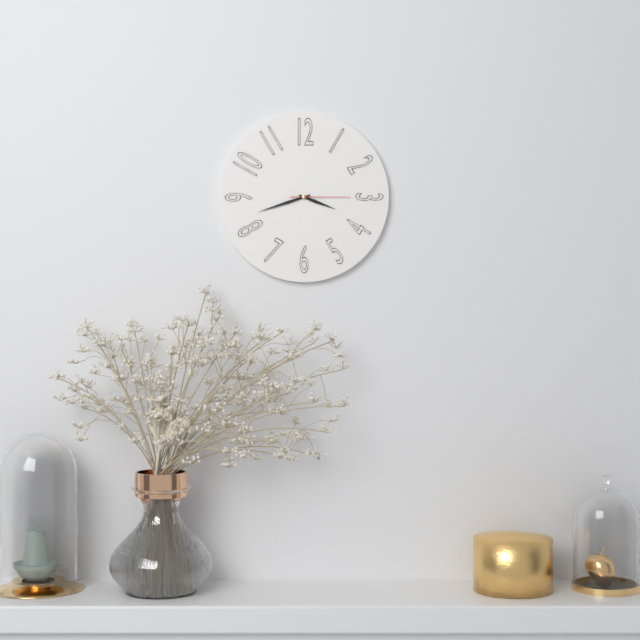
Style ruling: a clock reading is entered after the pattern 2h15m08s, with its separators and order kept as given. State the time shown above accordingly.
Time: 3h42m15s
